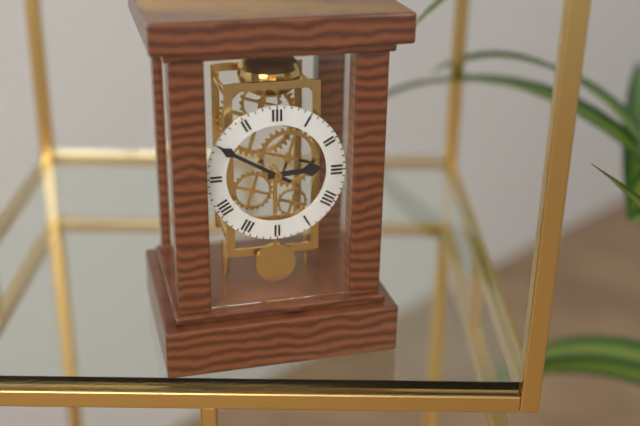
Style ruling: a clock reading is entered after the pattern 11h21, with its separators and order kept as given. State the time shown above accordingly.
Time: 2h50
